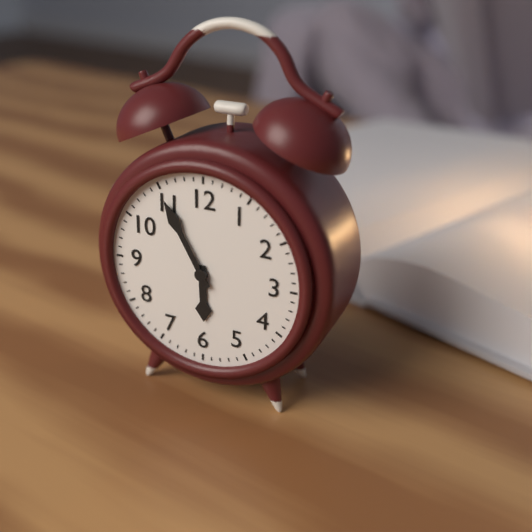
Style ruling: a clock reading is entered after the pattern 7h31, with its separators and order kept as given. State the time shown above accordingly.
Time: 5h55
